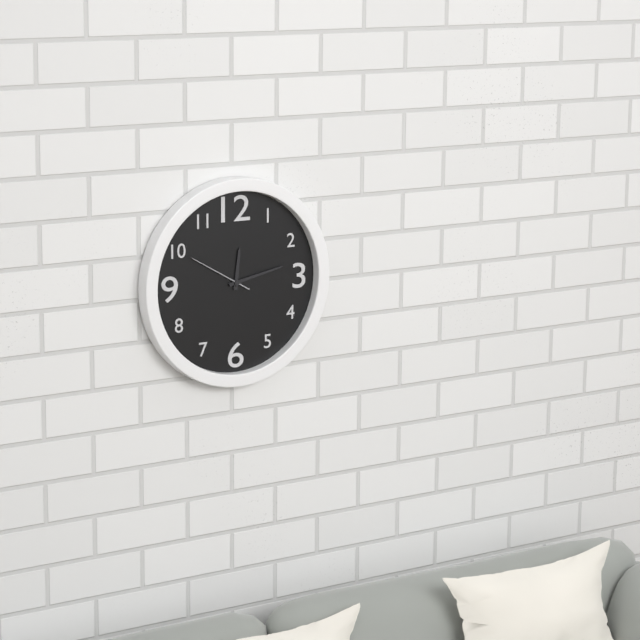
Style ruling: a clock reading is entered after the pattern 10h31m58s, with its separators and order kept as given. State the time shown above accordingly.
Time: 12h13m50s
